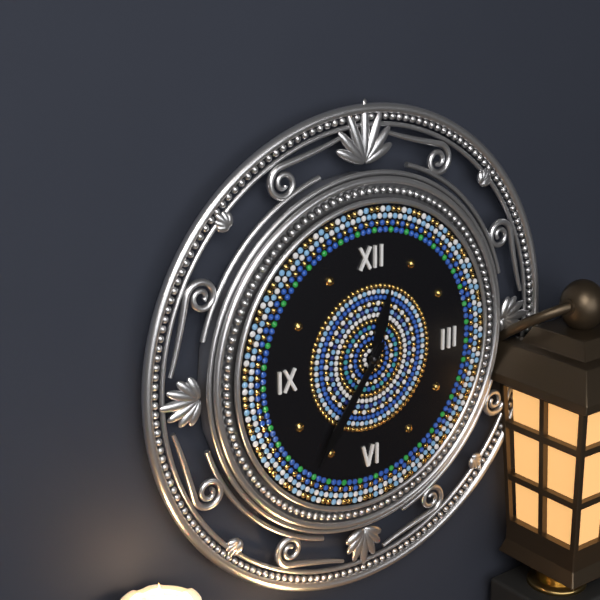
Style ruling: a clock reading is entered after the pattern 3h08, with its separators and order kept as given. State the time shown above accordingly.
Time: 12h36
